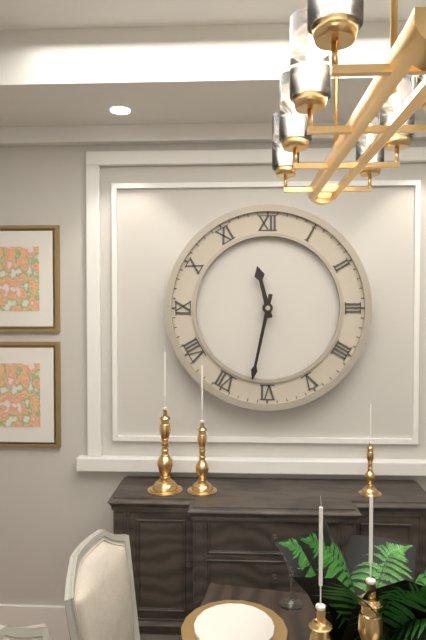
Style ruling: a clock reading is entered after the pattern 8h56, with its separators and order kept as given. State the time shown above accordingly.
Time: 11h32
